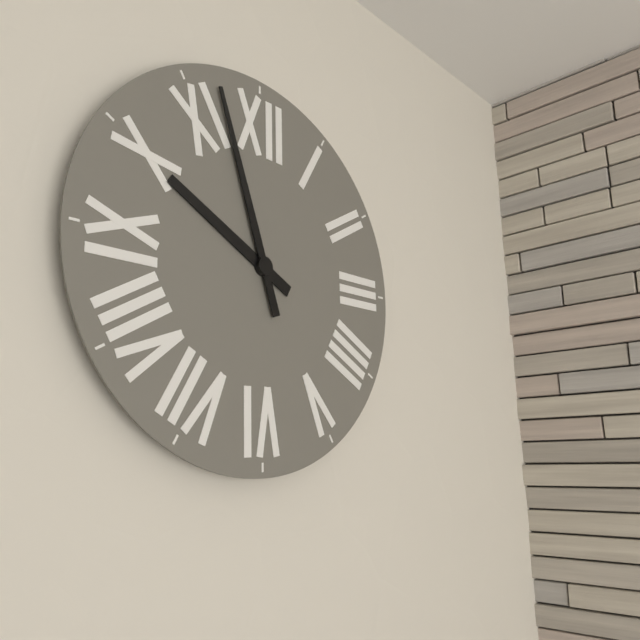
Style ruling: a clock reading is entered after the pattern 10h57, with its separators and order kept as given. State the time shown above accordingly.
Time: 9h57
